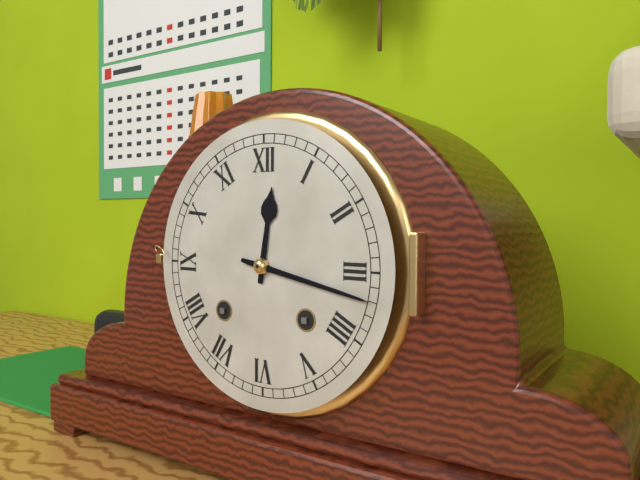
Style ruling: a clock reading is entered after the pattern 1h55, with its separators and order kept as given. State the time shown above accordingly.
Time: 12h17
